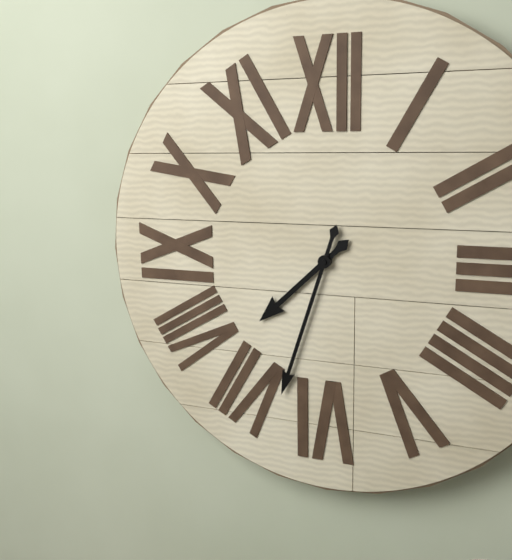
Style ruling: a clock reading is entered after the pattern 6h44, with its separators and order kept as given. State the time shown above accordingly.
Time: 7h33
